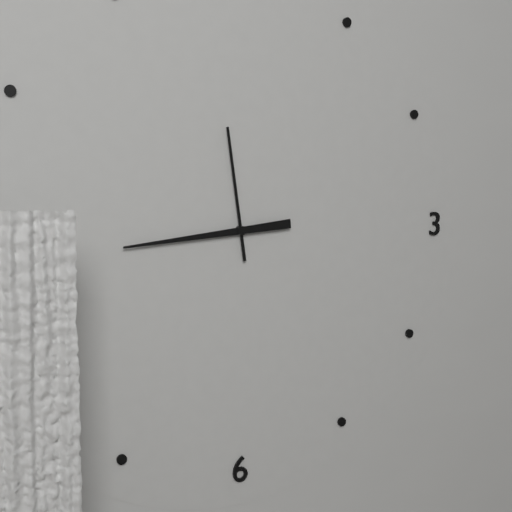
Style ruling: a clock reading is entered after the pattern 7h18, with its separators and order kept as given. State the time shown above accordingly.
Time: 11h44
